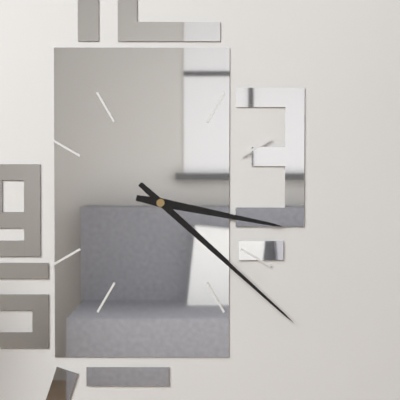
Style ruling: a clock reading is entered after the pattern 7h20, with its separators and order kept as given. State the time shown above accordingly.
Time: 3h22
